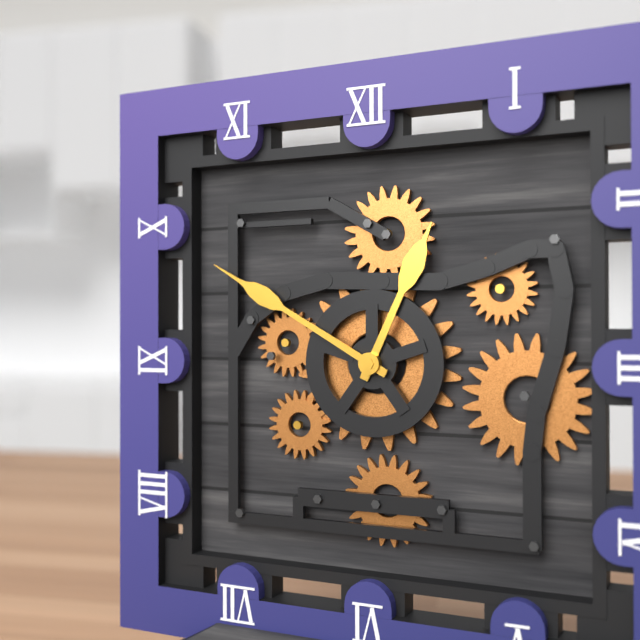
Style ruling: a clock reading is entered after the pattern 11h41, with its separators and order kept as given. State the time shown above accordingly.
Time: 12h50
